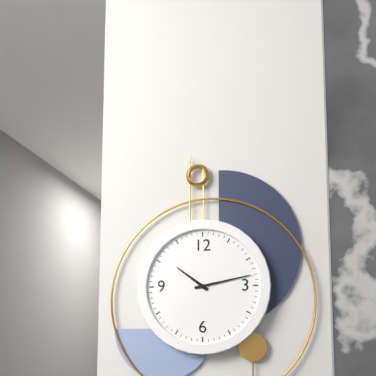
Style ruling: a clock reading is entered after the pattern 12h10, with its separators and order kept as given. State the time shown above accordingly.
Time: 10h13
